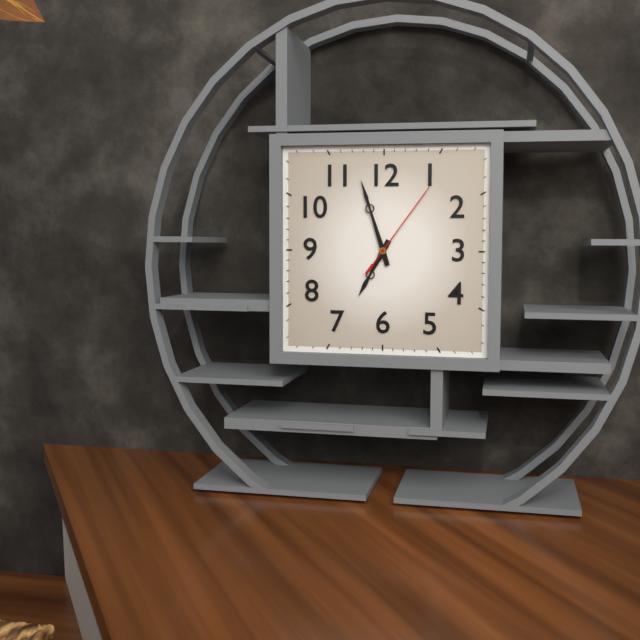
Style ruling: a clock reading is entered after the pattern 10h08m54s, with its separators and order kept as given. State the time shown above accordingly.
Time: 6h57m06s
